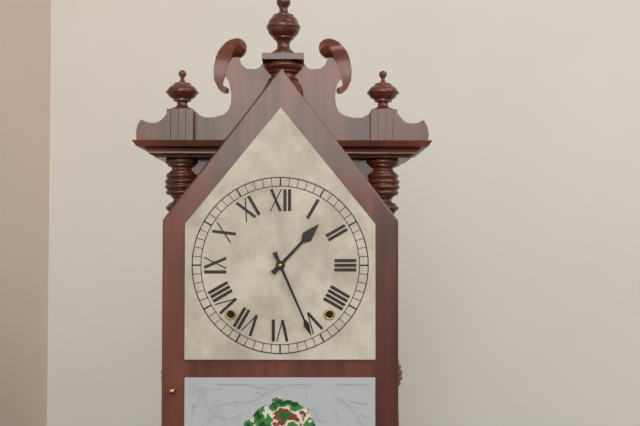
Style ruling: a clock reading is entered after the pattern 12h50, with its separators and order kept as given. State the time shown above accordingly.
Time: 1h26
